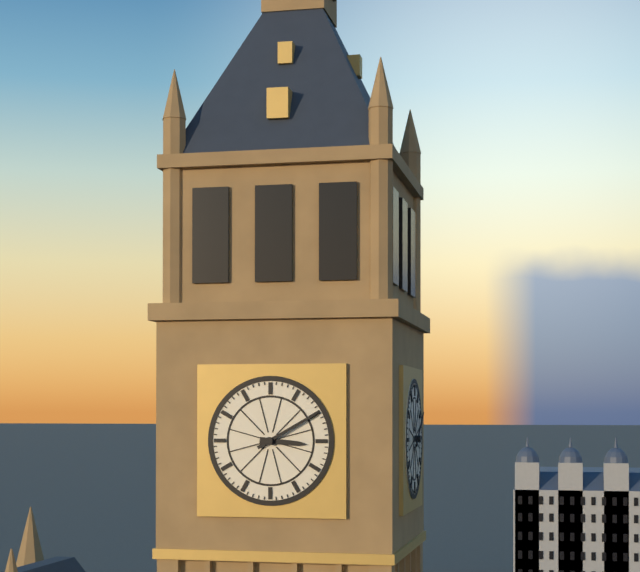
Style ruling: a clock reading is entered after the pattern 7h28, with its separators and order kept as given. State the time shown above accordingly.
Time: 3h10
